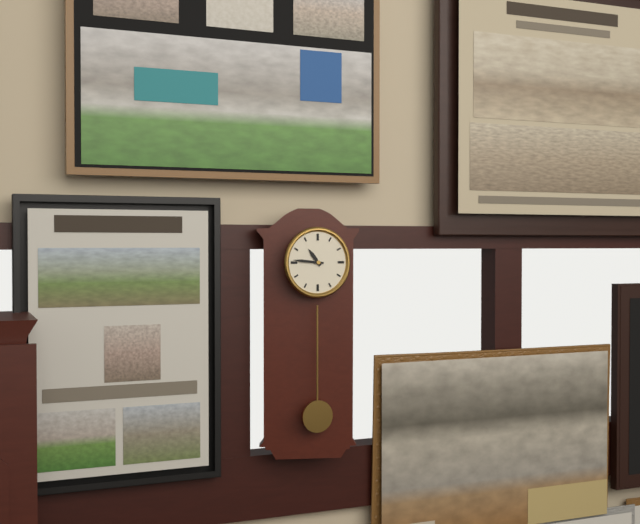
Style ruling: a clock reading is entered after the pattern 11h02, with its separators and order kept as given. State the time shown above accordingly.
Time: 10h46
